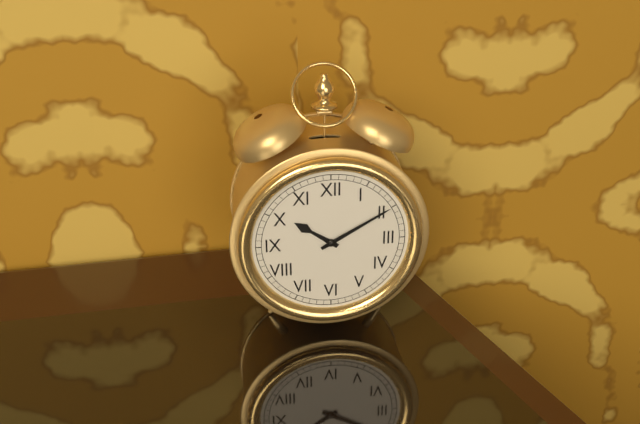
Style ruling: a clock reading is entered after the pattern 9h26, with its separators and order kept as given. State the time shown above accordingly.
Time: 10h10
